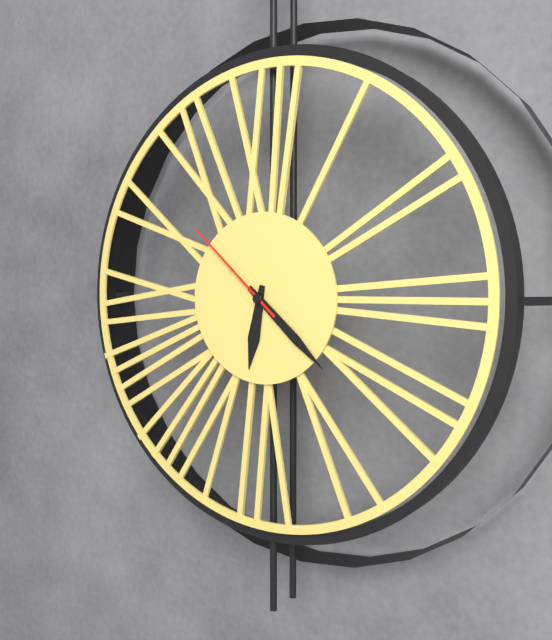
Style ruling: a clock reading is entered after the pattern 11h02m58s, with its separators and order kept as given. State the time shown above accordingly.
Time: 6h22m52s
